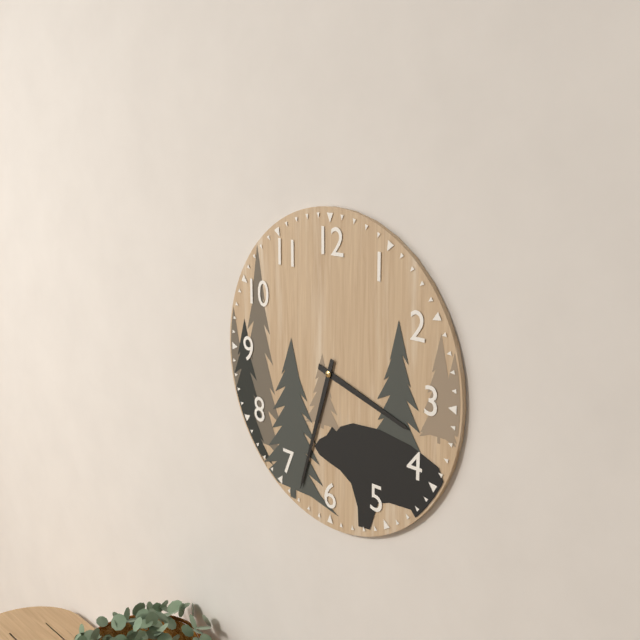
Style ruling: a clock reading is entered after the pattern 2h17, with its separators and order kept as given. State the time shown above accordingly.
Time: 3h33
